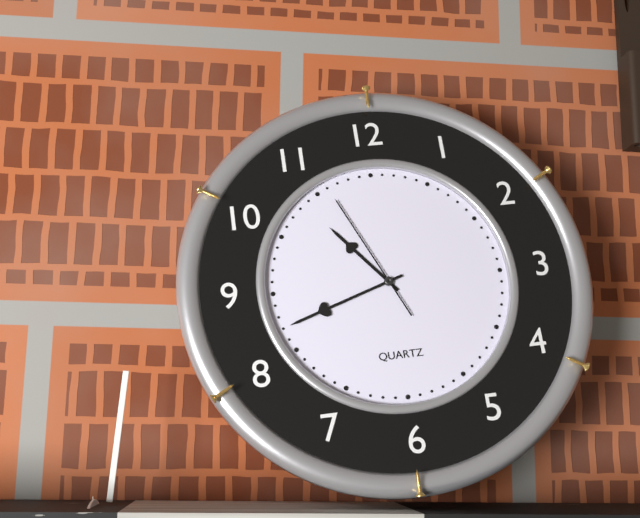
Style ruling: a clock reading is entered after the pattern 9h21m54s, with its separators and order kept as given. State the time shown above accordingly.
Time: 10h42m56s
